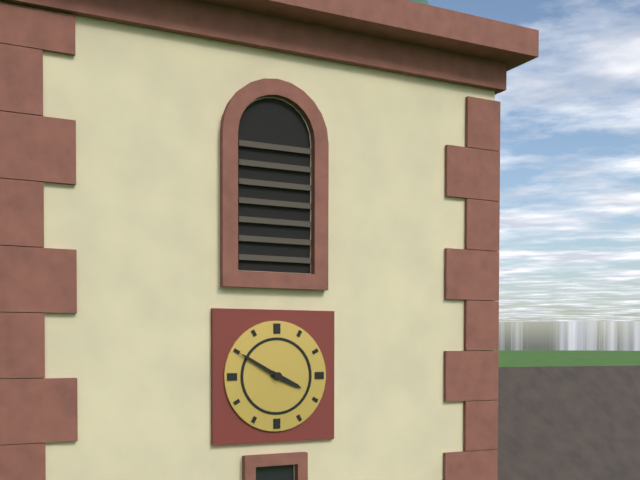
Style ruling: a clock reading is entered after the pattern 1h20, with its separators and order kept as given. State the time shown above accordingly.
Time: 3h50
